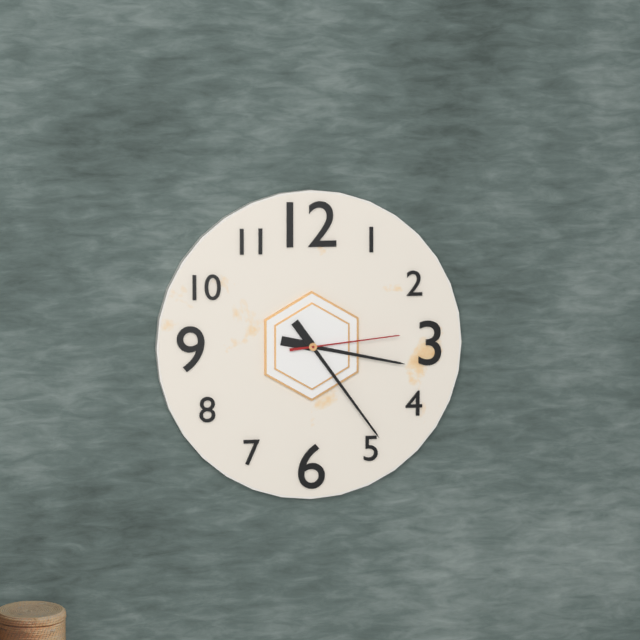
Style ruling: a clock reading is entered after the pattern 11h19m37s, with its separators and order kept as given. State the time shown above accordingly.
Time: 3h24m14s
